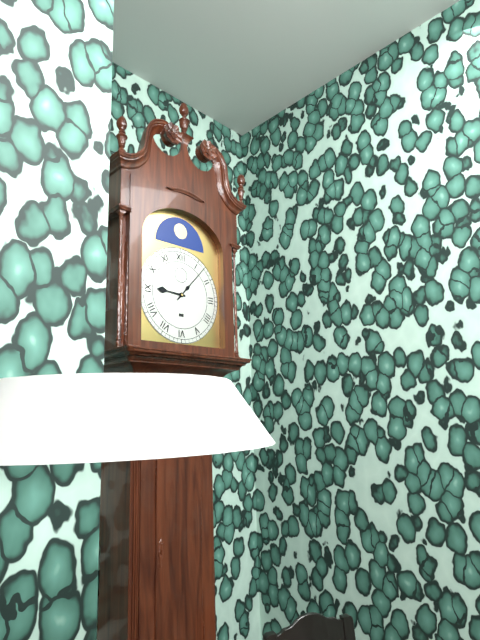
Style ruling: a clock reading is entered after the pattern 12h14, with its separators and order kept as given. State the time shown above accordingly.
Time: 9h07
